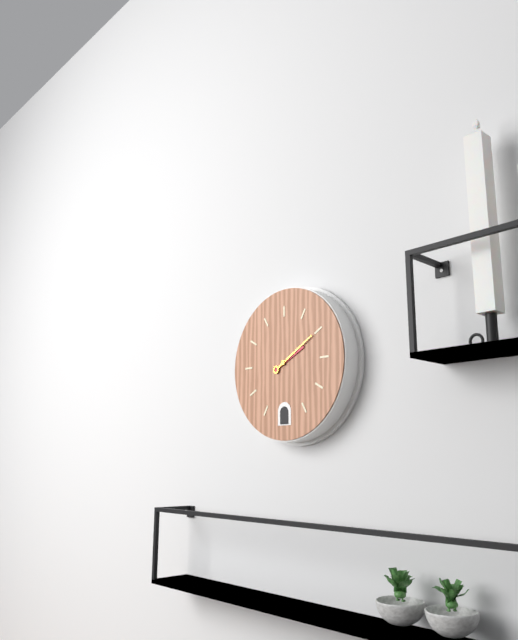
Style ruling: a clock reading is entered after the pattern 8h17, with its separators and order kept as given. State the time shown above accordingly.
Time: 2h10
